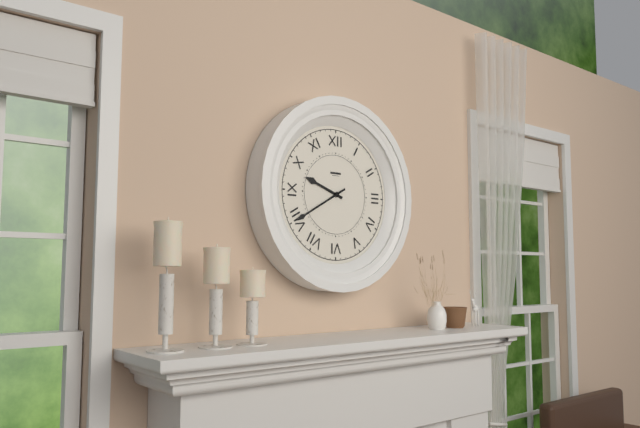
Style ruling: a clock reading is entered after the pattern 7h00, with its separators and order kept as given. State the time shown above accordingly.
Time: 9h40
